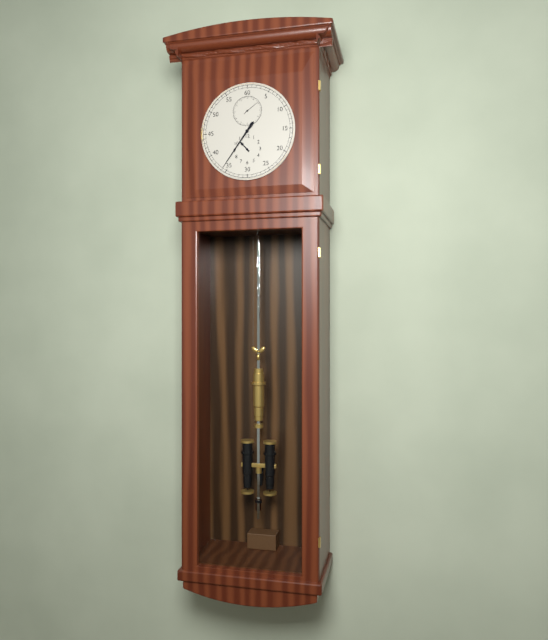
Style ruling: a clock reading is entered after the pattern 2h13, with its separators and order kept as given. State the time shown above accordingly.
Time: 10h36
